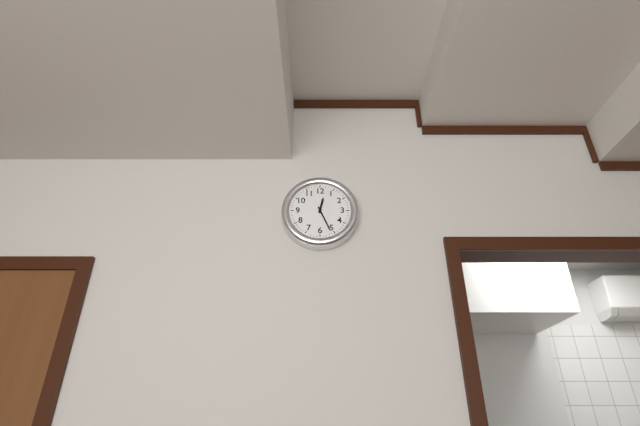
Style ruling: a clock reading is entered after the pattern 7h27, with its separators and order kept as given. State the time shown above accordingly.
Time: 12h26
